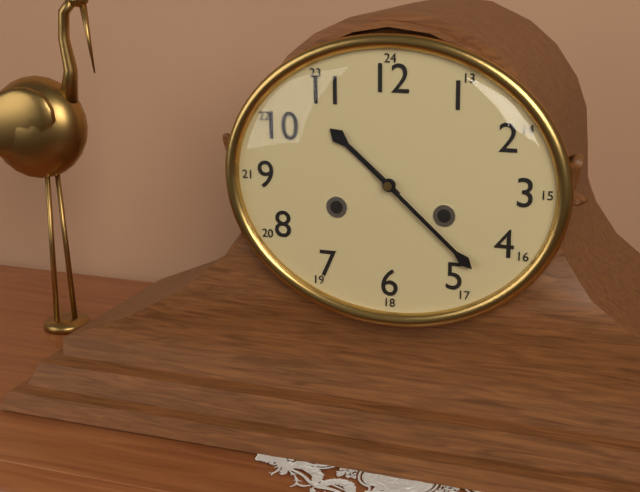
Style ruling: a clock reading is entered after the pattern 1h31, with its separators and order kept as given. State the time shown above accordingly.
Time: 10h22
